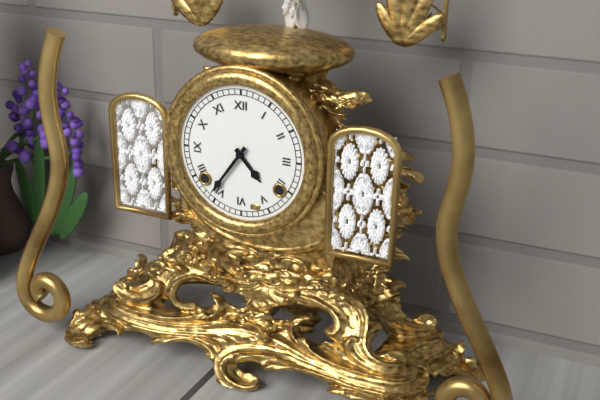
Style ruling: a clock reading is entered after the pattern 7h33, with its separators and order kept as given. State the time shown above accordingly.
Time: 4h36
